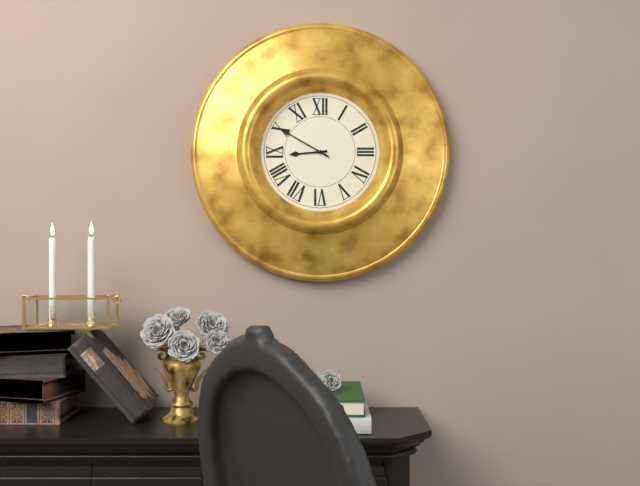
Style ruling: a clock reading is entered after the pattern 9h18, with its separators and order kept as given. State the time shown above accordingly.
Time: 8h50
